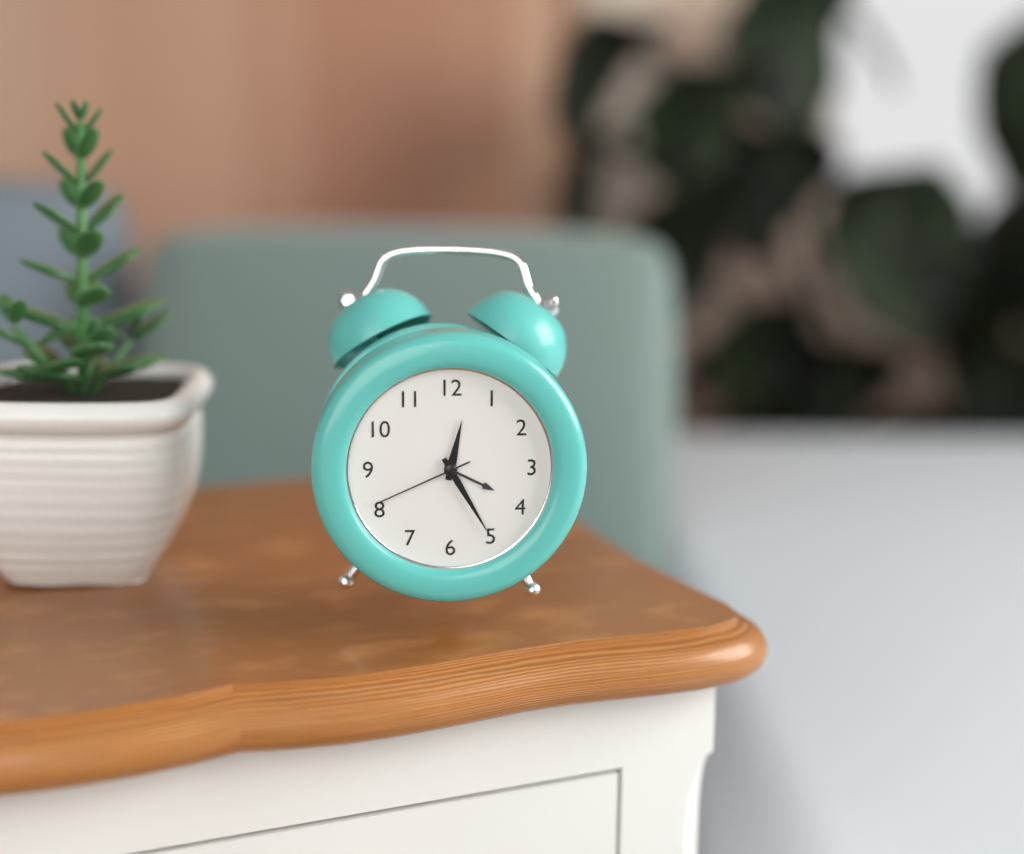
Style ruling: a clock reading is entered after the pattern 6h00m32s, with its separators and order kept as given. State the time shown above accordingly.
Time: 12h25m41s
